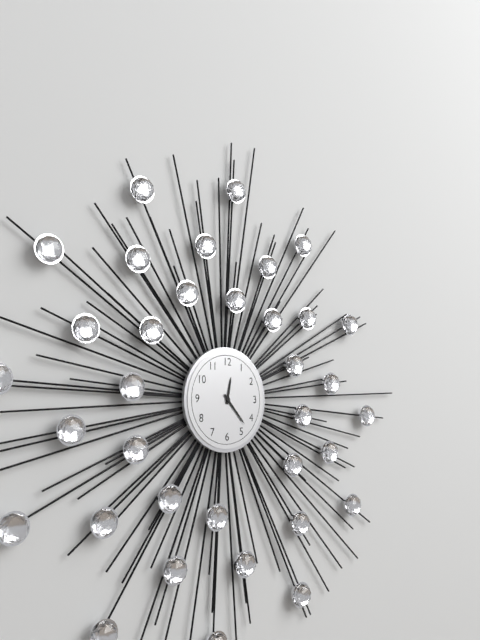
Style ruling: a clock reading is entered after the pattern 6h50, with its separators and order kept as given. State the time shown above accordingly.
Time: 12h23
